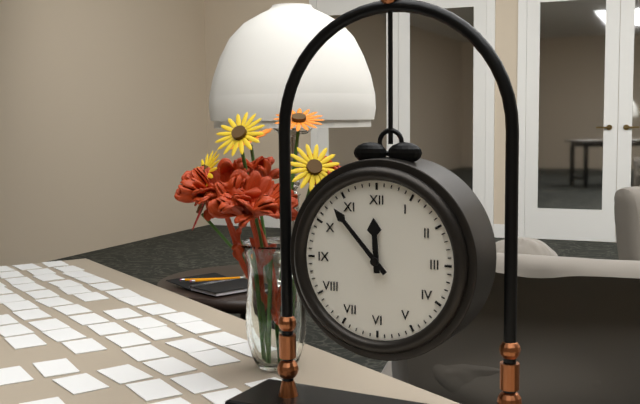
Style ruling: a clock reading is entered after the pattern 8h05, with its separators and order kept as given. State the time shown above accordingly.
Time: 11h53
